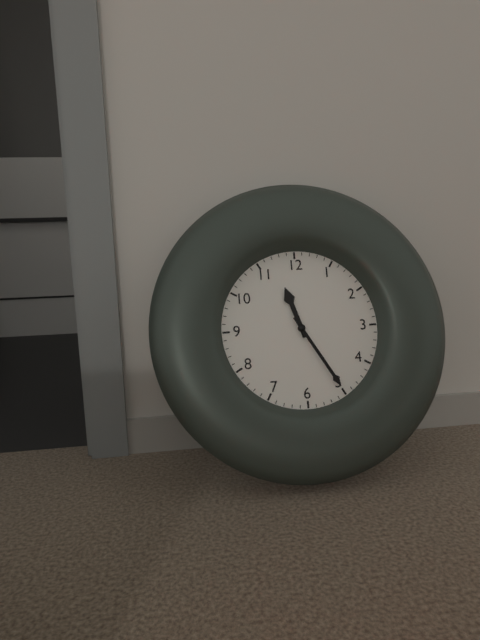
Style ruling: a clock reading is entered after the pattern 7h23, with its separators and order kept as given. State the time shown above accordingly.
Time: 11h25
